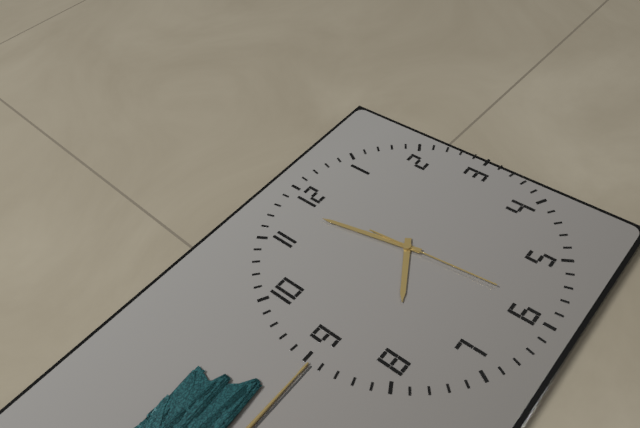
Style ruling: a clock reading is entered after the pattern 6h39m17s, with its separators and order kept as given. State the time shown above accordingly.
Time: 7h58m29s
